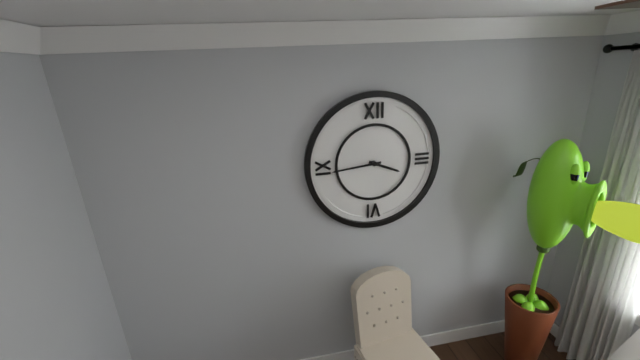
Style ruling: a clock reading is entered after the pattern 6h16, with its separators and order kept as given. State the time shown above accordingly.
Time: 3h44
